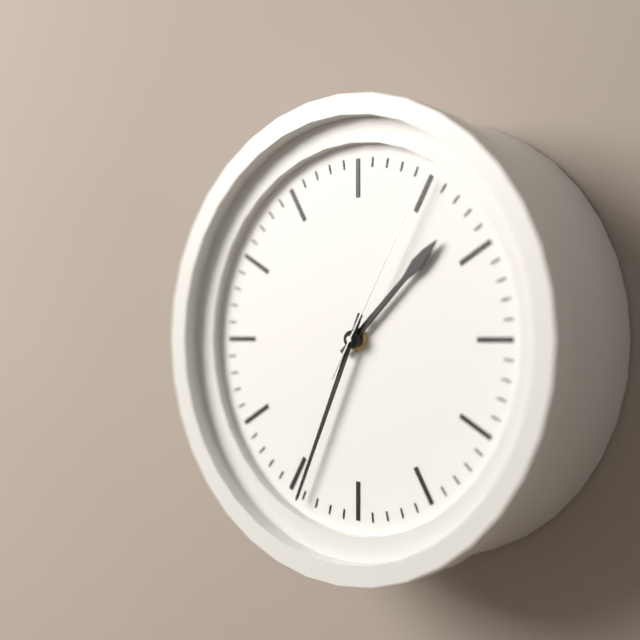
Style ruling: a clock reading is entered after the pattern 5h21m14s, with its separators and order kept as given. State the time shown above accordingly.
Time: 1h34m05s
